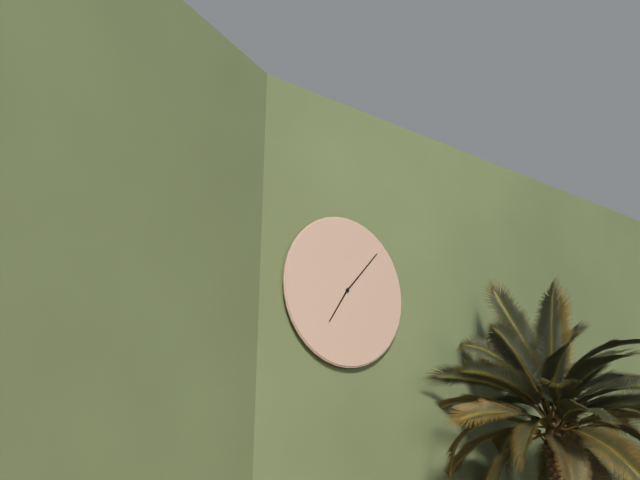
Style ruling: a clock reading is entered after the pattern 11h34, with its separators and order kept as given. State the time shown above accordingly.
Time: 7h07
